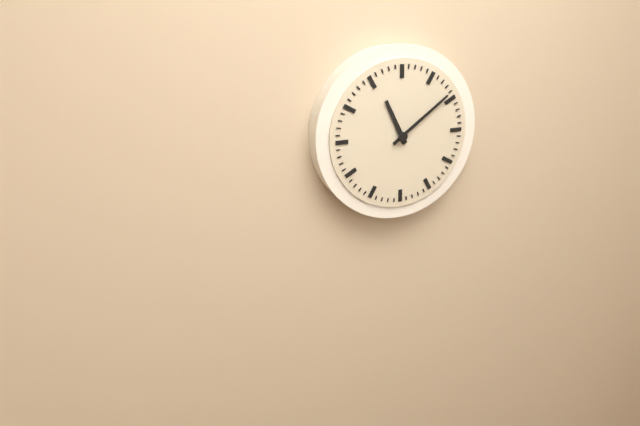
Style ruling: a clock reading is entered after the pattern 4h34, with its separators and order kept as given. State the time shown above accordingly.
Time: 11h09
